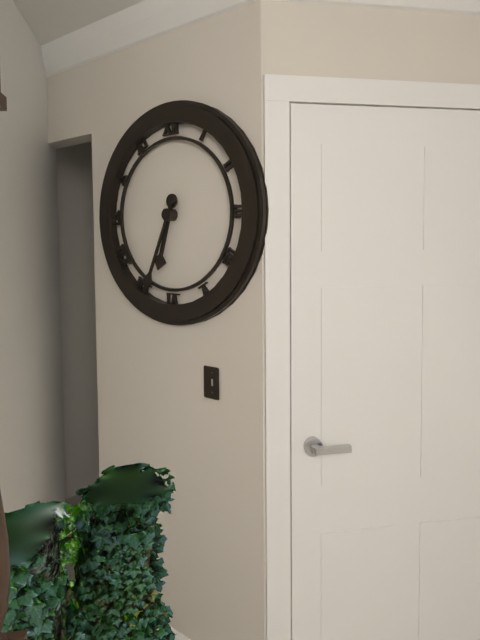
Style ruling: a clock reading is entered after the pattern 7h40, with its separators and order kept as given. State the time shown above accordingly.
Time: 6h34
